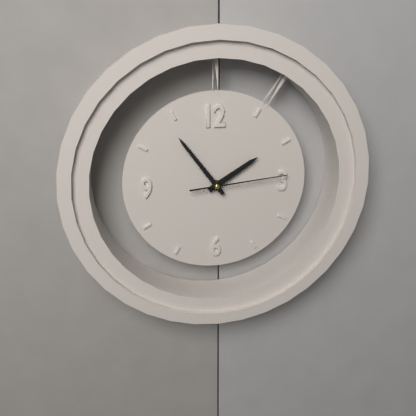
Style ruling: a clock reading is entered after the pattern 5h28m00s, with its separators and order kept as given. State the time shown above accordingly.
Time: 1h54m14s
